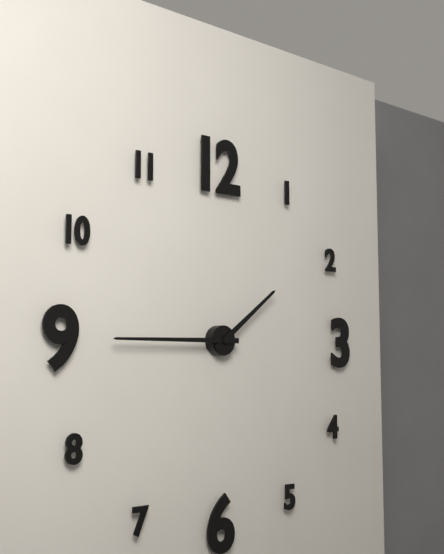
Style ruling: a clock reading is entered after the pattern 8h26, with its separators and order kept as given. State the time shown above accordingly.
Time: 1h45
